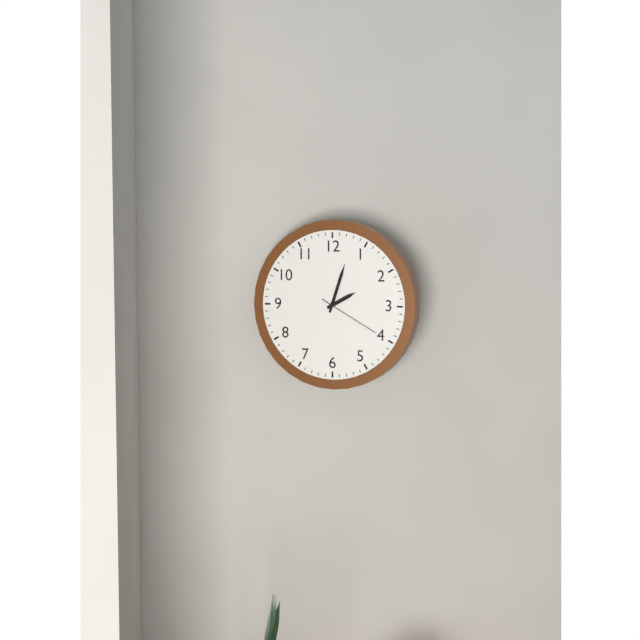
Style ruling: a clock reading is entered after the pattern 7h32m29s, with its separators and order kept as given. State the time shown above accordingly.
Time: 2h03m20s
